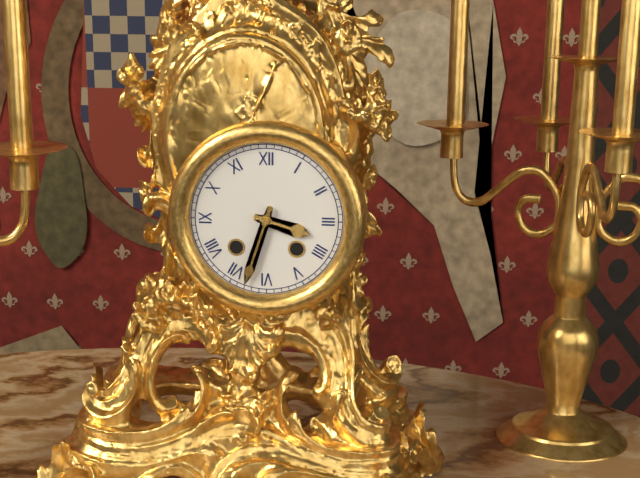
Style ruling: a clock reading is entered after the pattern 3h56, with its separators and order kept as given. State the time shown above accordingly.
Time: 3h33
